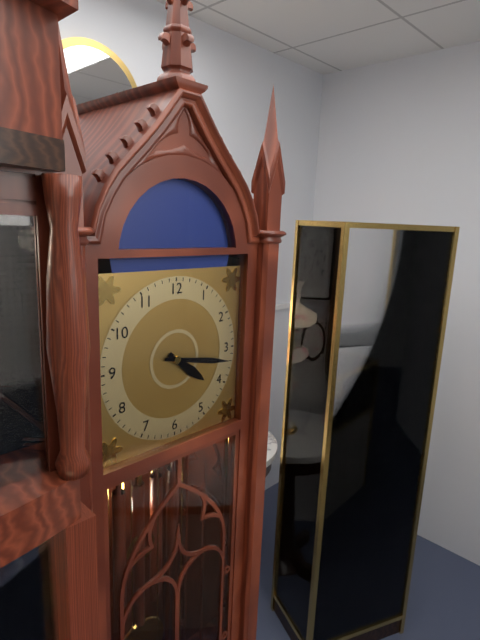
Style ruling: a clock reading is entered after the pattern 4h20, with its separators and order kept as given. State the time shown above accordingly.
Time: 4h17
